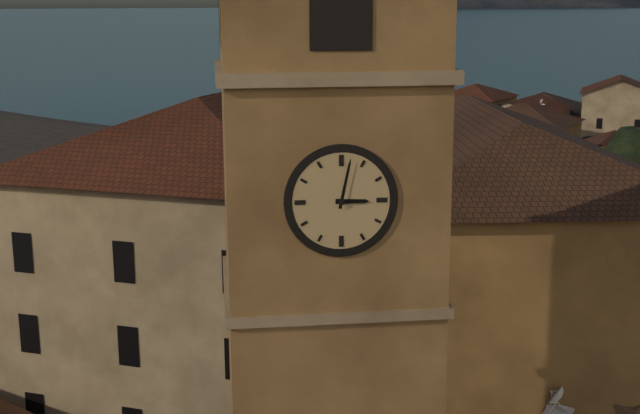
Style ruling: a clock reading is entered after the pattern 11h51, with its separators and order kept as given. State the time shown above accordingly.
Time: 3h02
